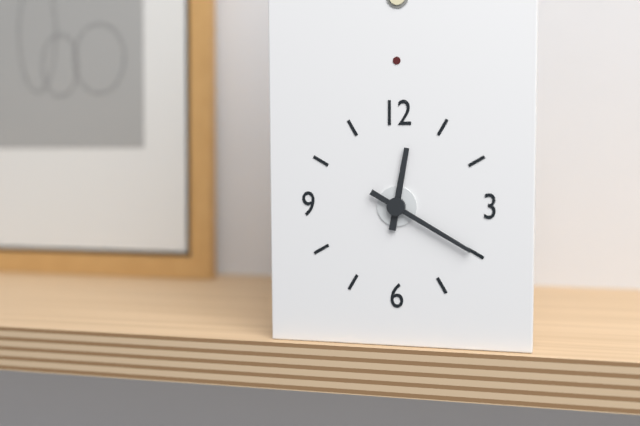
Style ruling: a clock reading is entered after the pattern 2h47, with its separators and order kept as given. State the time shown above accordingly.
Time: 12h20
